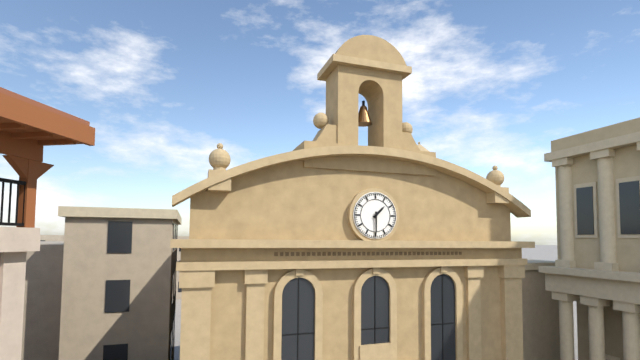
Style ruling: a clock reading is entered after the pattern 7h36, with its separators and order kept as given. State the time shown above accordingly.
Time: 1h30
